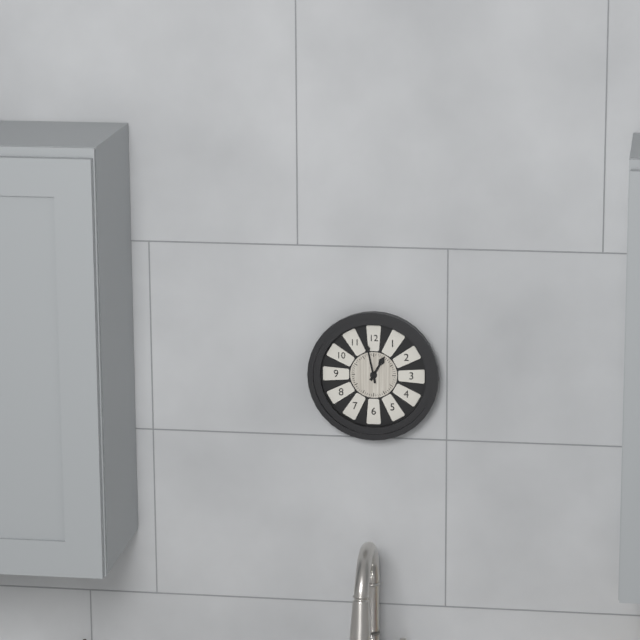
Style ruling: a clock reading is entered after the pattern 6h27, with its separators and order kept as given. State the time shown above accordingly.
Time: 12h58
